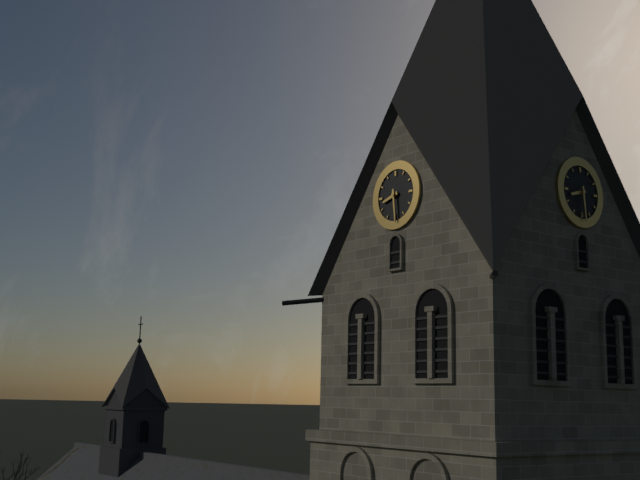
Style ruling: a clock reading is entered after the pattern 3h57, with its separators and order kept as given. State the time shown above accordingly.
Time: 8h29
